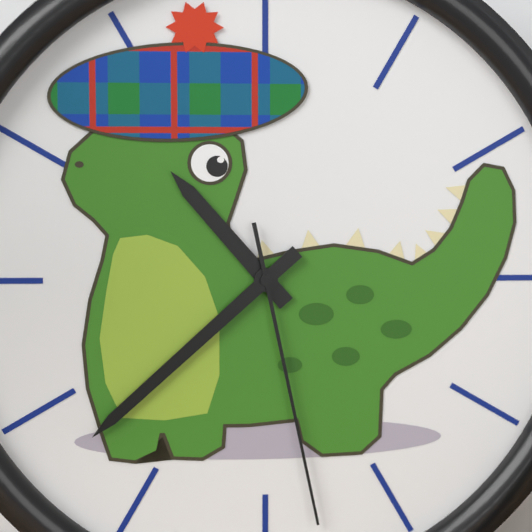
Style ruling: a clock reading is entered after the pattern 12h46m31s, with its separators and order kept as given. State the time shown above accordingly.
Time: 10h38m28s
